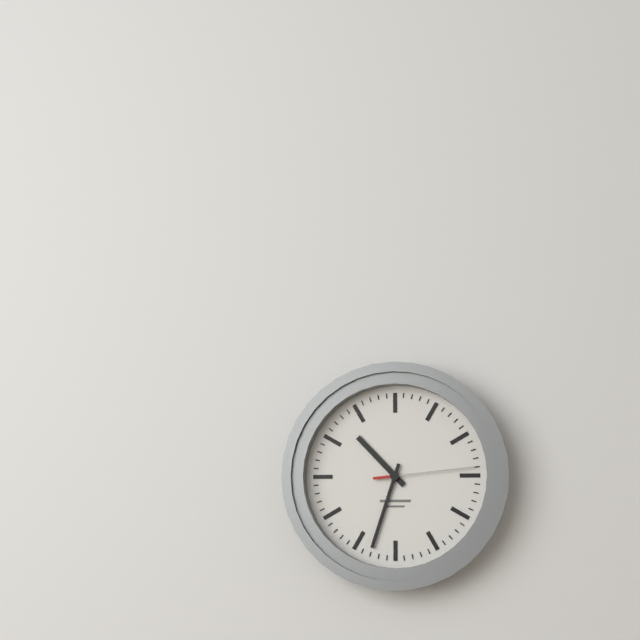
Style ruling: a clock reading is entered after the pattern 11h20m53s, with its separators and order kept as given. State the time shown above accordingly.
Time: 10h33m14s
